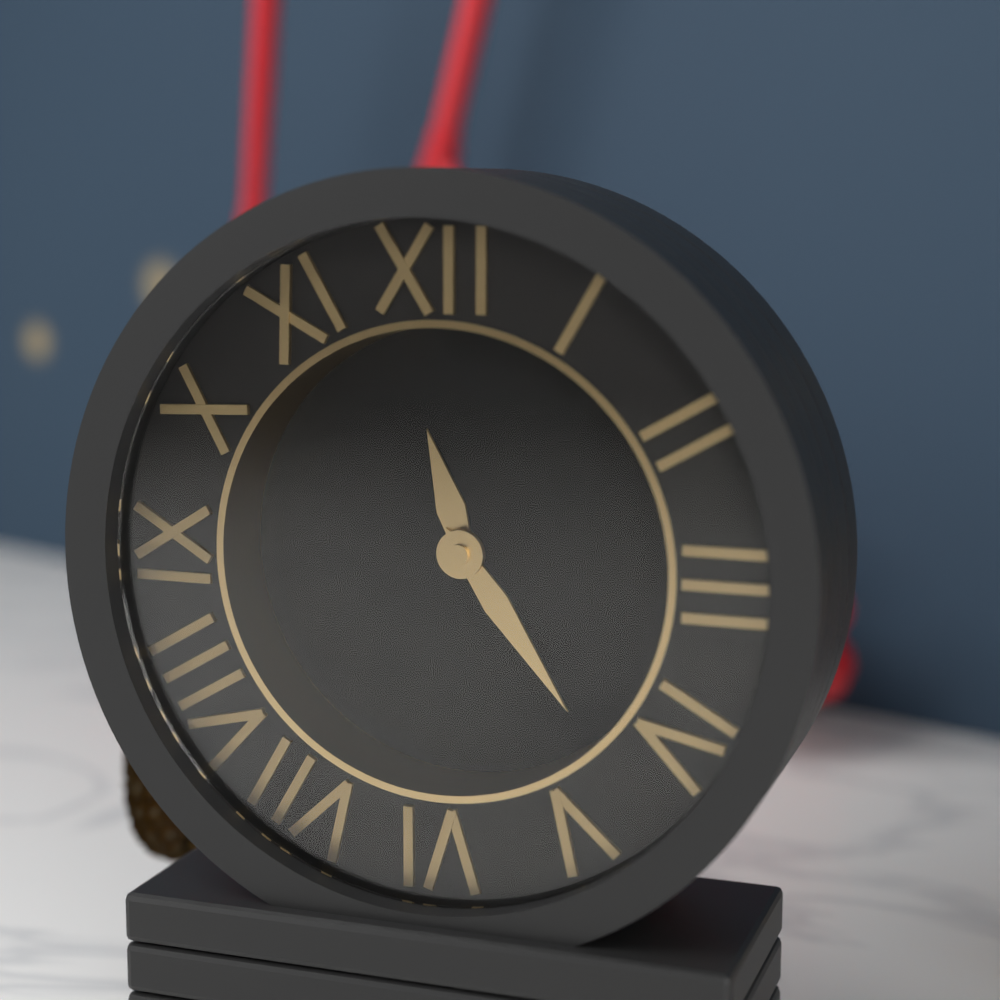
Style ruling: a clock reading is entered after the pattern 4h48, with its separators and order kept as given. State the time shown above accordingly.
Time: 11h24
